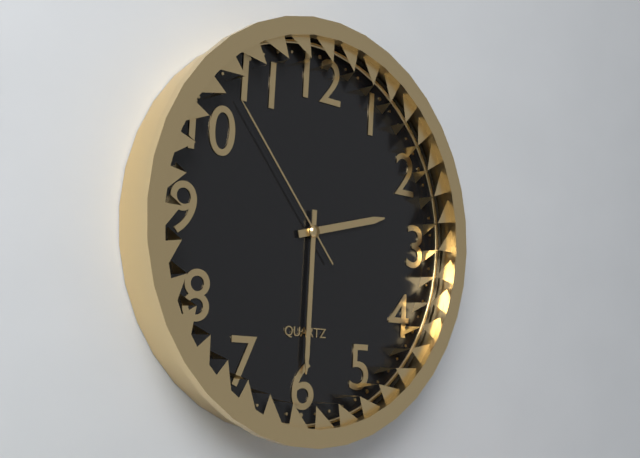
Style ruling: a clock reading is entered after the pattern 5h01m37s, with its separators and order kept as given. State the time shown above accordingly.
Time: 2h30m53s
